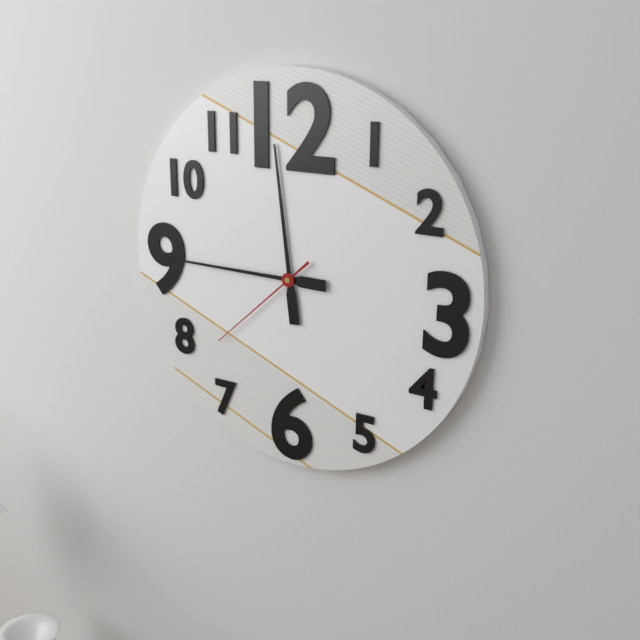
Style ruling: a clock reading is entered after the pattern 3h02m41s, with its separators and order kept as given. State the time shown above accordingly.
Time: 11h45m38s
